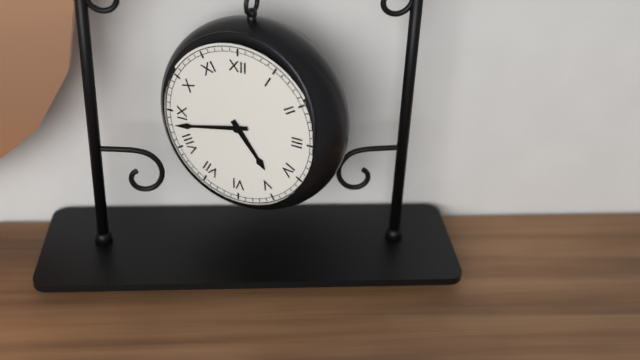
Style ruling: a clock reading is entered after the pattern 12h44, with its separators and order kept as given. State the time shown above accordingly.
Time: 4h43
